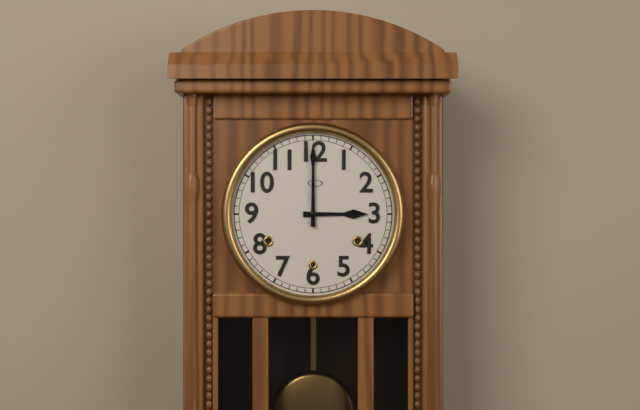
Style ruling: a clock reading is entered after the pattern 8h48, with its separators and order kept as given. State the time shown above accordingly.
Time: 3h00
